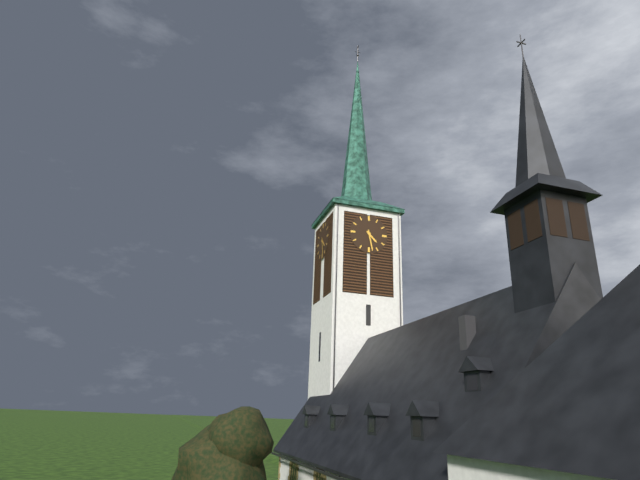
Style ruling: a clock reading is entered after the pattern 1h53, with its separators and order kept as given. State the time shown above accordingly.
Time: 4h28
